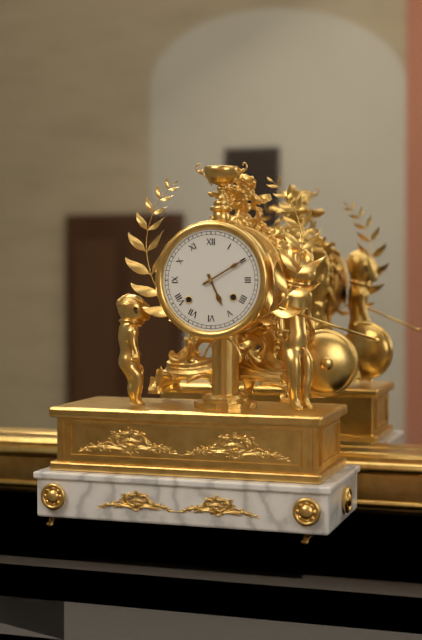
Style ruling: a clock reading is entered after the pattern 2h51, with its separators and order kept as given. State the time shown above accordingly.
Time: 5h10
